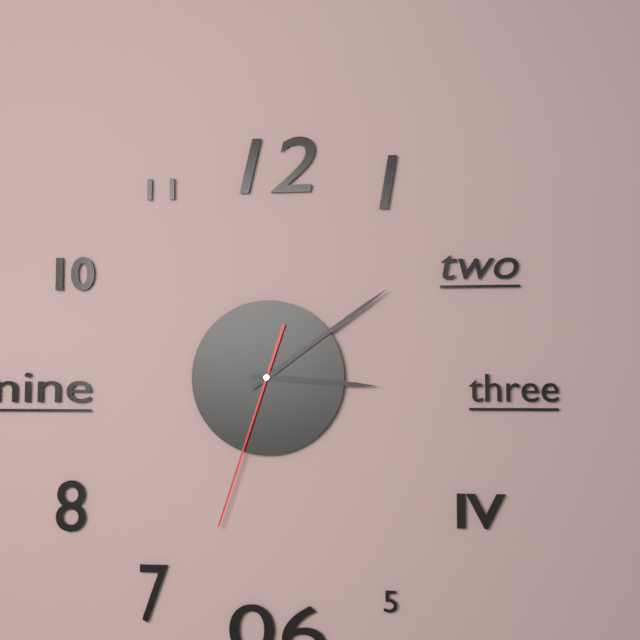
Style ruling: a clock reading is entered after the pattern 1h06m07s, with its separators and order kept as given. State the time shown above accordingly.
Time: 3h09m33s
